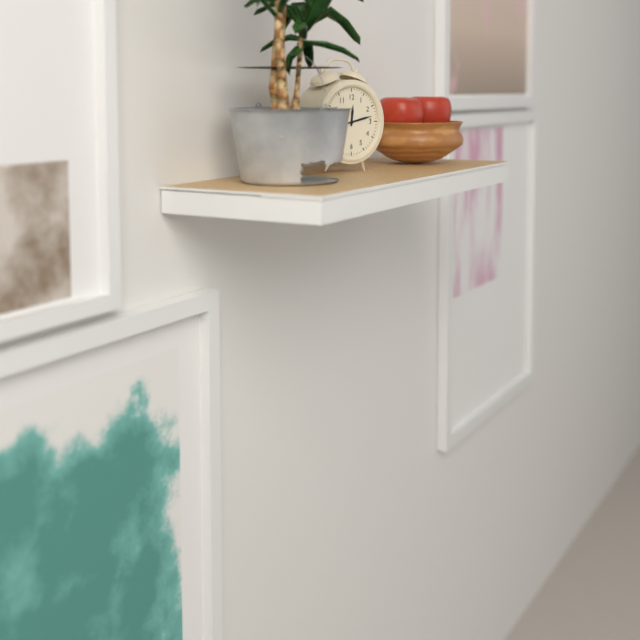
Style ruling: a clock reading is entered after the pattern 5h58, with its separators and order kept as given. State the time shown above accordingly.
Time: 12h13
